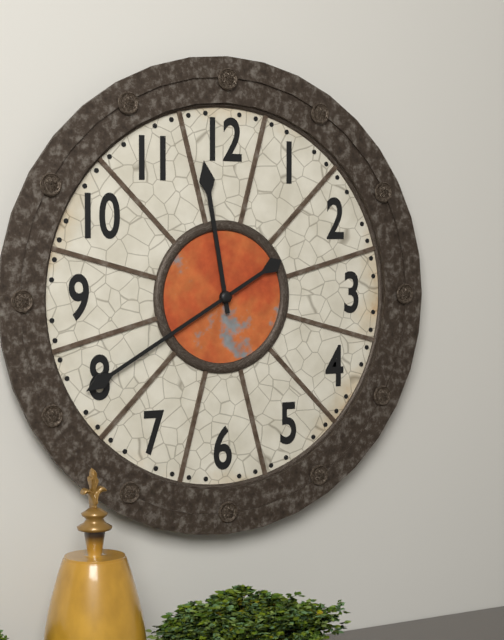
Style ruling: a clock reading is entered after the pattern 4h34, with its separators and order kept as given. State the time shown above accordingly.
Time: 11h40
